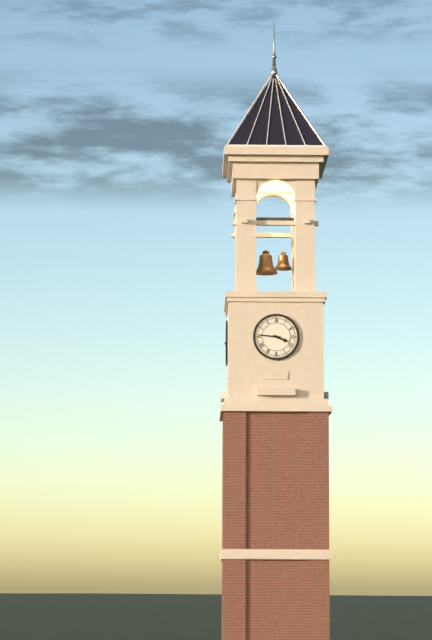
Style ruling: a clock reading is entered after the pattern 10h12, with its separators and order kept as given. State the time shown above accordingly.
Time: 3h46
